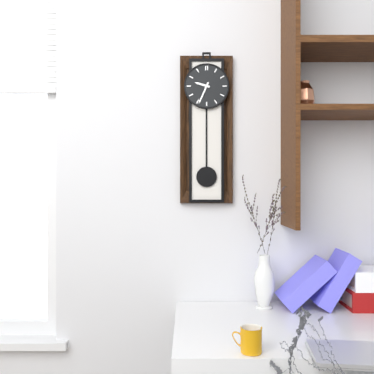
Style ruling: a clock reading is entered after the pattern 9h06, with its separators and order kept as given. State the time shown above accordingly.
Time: 9h34
